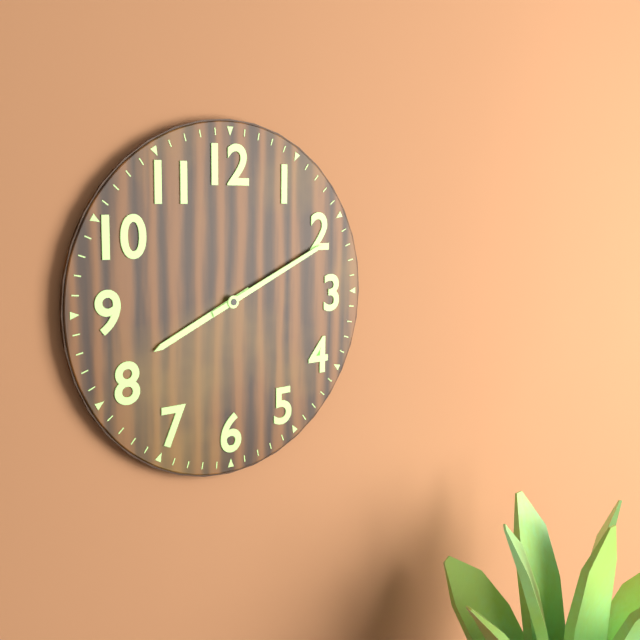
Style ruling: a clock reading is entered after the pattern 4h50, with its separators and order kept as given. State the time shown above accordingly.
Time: 8h11
